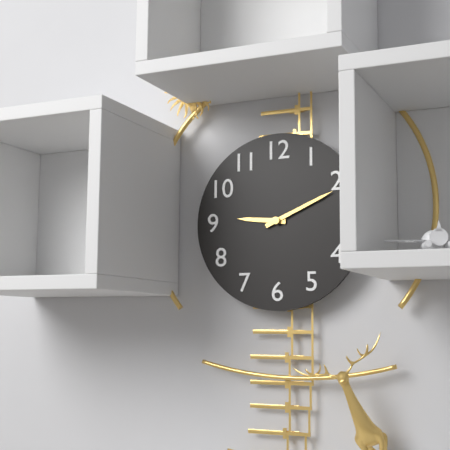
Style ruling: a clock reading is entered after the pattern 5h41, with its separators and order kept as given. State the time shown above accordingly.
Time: 9h11
